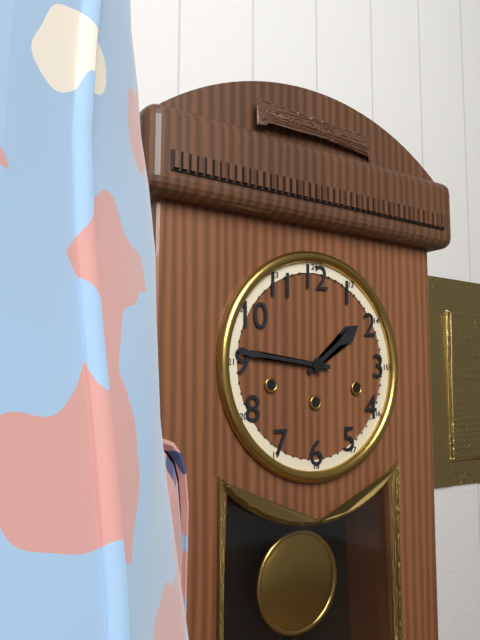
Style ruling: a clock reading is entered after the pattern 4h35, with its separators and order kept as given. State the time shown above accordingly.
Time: 1h46
